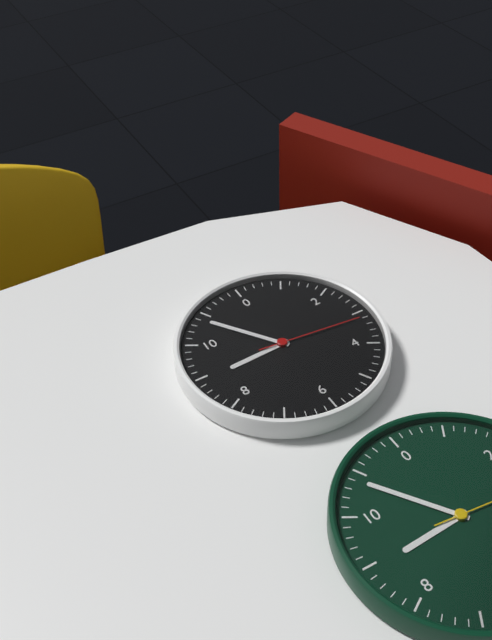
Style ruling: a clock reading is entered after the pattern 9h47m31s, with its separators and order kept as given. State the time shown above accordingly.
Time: 8h54m16s
